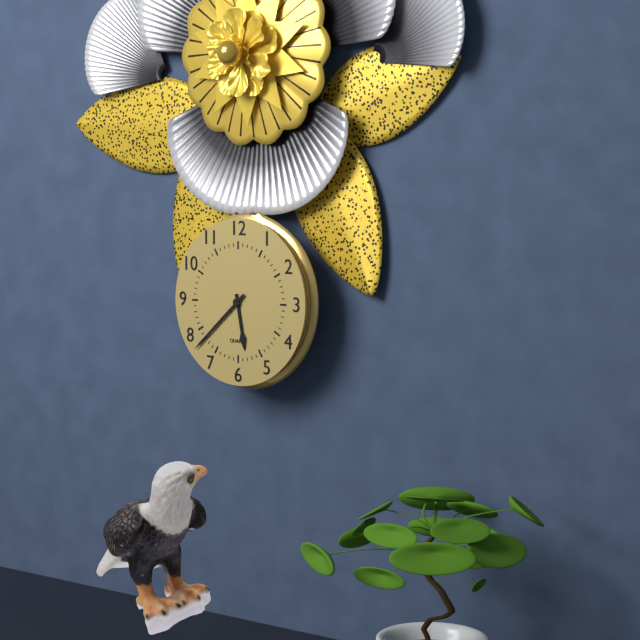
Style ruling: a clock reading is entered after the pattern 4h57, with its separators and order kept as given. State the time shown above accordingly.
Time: 5h38
